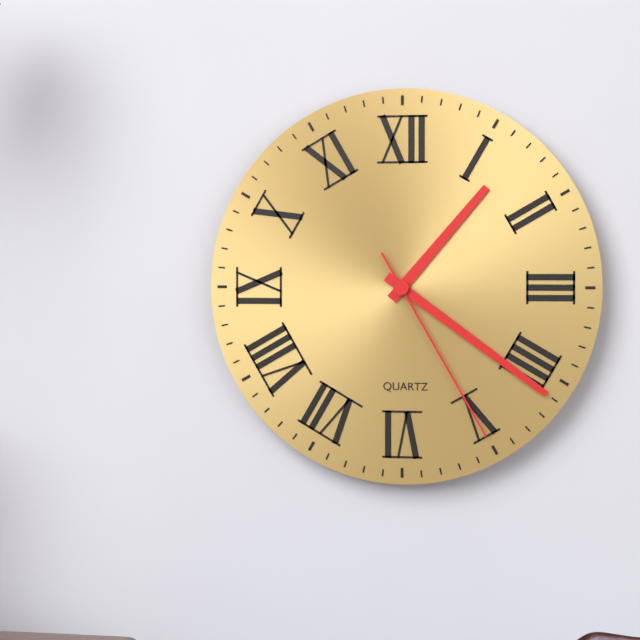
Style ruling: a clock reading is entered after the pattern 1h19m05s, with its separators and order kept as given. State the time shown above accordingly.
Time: 1h21m25s
